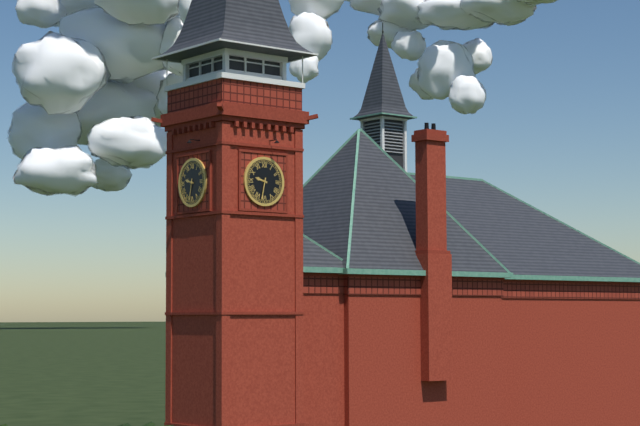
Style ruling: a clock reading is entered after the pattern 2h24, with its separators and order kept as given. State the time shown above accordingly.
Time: 9h32
